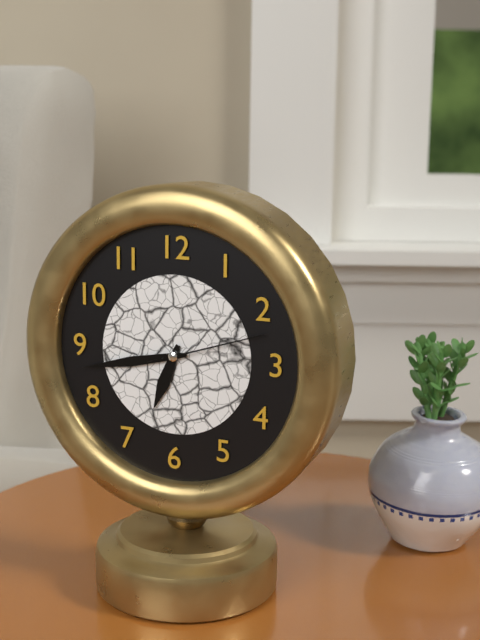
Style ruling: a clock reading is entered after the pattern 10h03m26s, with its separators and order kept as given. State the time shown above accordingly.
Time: 6h43m12s
